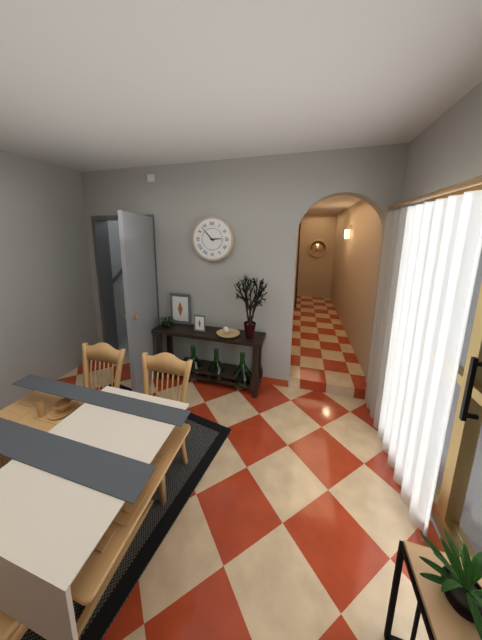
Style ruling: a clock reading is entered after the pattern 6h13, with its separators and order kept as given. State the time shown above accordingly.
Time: 2h53
